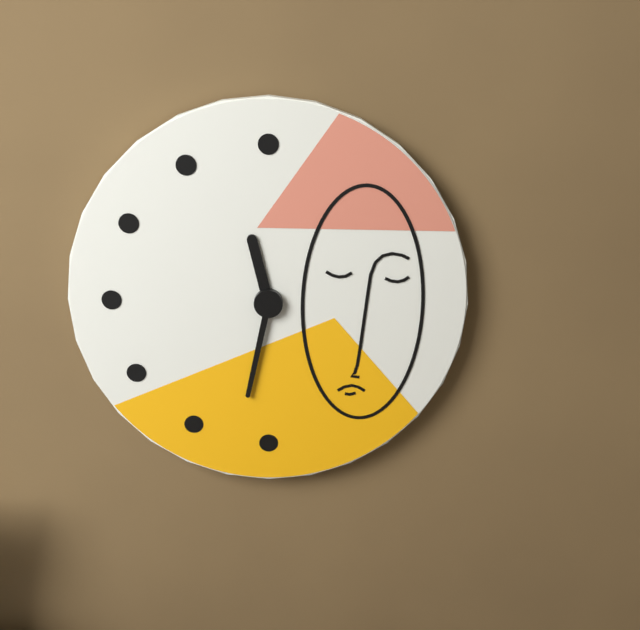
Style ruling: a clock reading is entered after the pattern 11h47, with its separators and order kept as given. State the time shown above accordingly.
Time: 11h32
